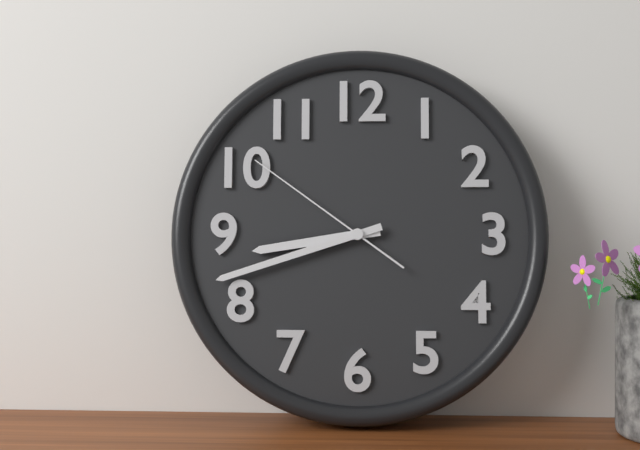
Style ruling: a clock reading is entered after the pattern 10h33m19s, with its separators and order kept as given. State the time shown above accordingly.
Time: 8h42m51s
